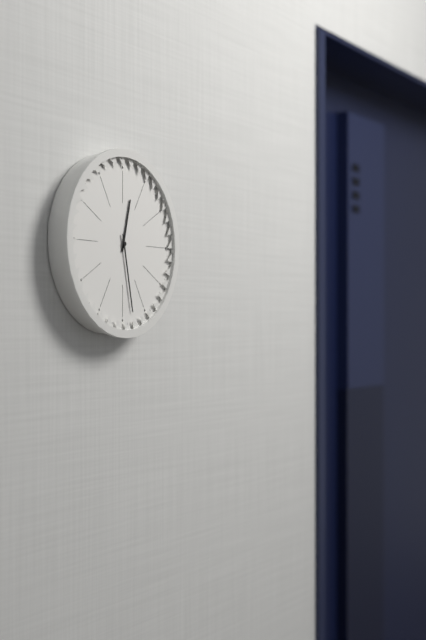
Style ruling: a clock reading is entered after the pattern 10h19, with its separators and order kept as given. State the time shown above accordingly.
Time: 12h28
